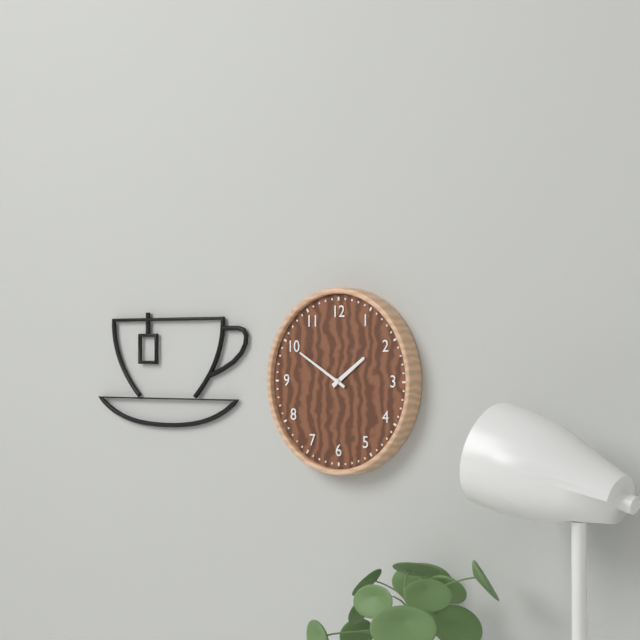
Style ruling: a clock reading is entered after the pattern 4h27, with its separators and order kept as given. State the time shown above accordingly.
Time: 1h50
